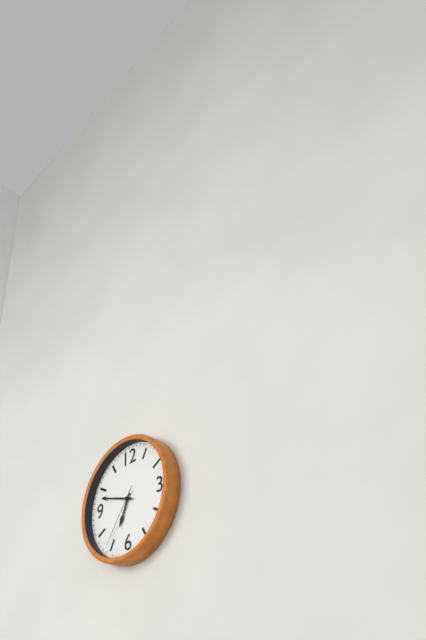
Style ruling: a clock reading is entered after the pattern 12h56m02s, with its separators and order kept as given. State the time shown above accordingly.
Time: 6h48m36s
